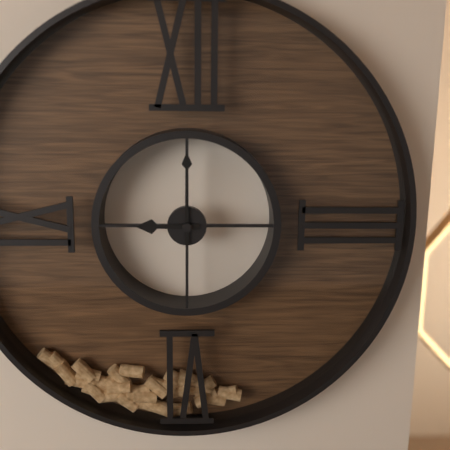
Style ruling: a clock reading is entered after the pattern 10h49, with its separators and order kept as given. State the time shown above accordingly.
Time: 9h00
